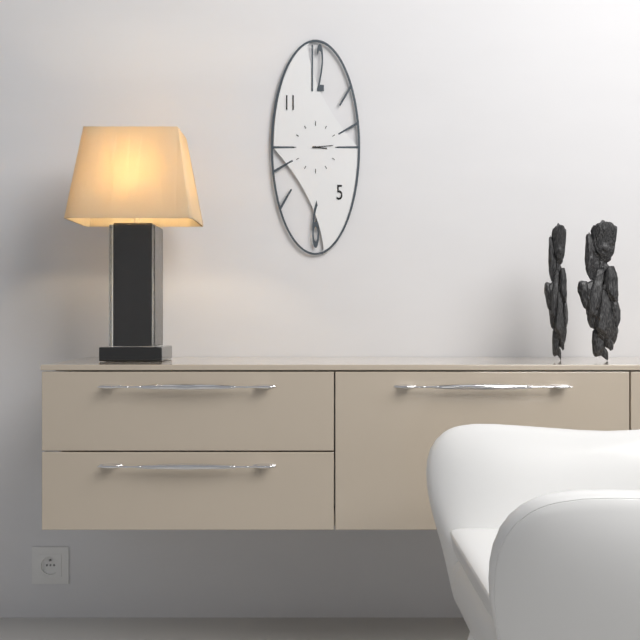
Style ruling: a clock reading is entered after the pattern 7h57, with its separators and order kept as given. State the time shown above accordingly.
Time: 3h14
